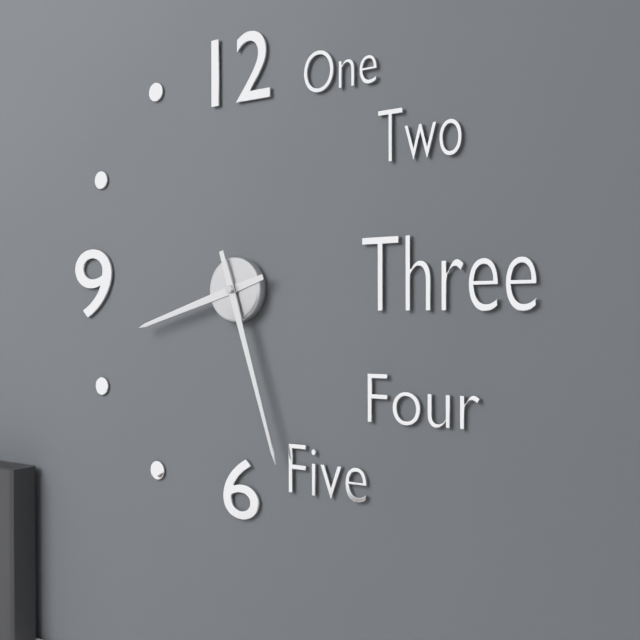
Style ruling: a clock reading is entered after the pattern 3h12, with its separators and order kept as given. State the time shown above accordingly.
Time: 8h27
